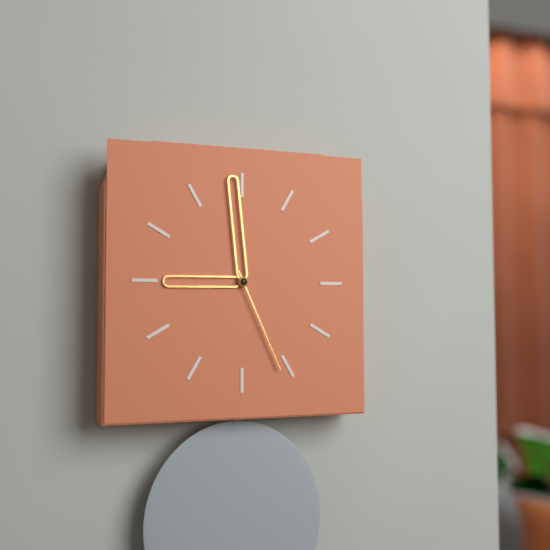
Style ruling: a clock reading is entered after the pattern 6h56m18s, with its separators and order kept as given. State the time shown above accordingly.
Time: 8h59m26s
